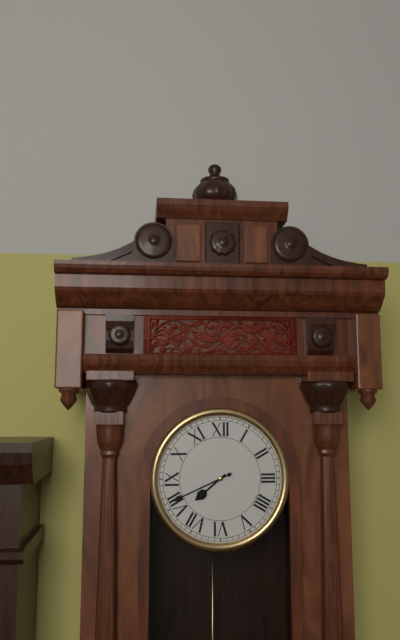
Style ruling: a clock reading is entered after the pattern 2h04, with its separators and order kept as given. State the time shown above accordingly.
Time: 7h41
